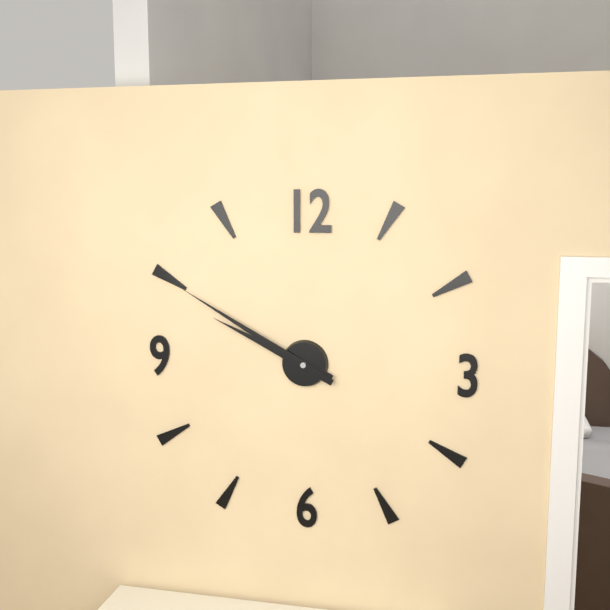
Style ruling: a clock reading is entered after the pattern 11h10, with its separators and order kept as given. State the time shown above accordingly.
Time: 9h50
